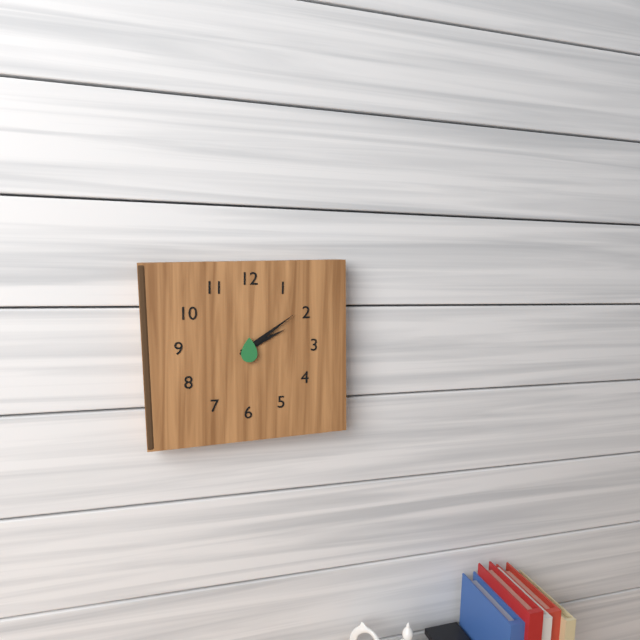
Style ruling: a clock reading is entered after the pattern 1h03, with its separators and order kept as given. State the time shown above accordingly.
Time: 2h09
